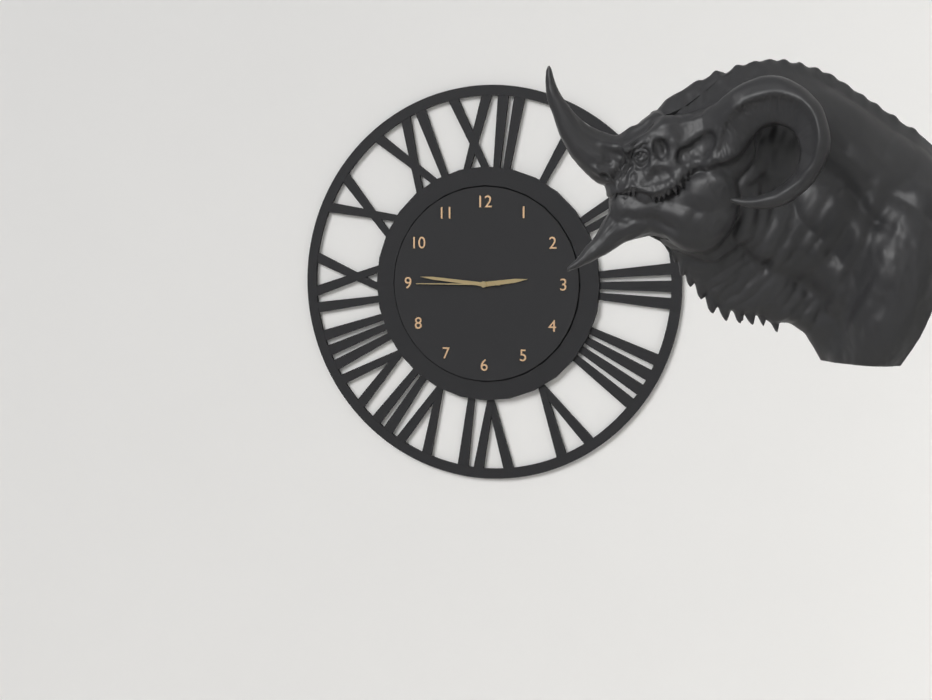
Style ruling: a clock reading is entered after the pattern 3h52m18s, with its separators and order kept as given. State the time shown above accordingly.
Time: 2h46m45s
